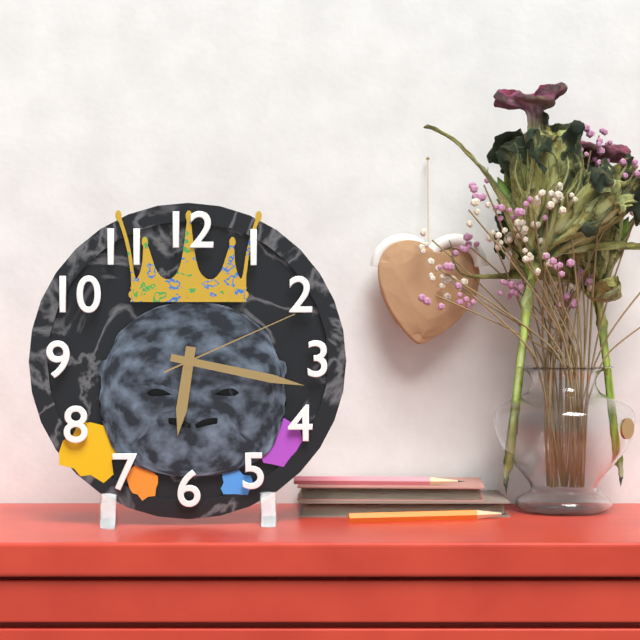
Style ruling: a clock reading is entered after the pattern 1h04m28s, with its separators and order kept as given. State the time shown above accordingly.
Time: 6h17m11s
